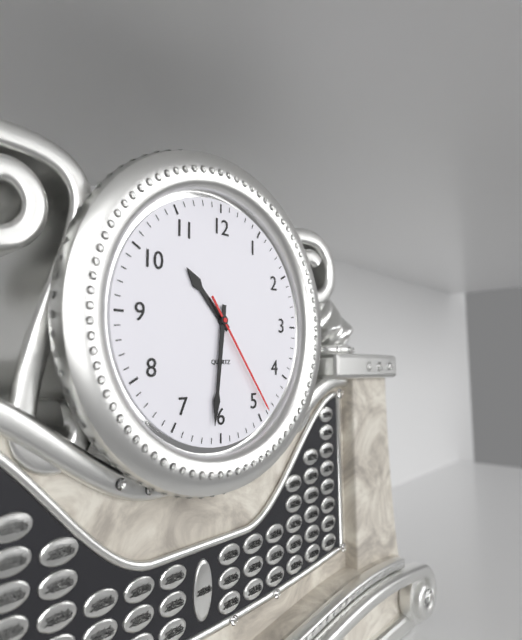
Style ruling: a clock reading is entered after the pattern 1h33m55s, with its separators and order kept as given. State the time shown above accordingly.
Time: 10h31m24s
